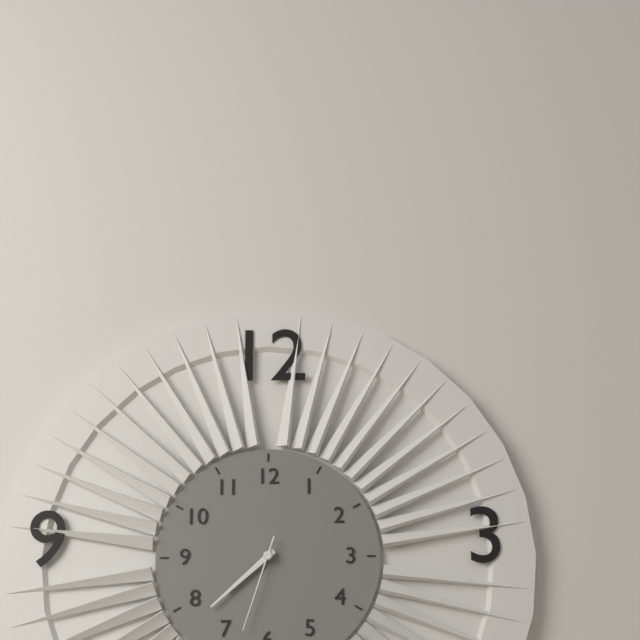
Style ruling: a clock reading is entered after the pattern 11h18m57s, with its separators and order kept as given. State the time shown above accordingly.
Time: 7h38m33s
